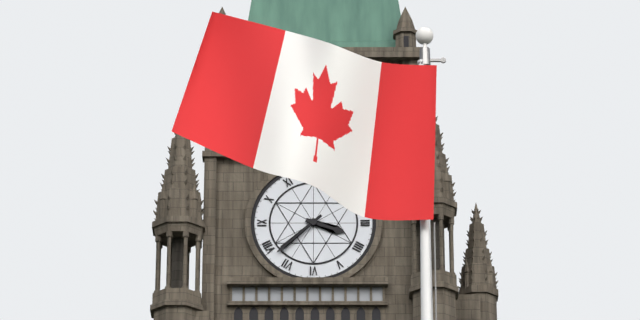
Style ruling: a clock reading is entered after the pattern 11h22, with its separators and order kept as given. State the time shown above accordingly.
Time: 3h38
